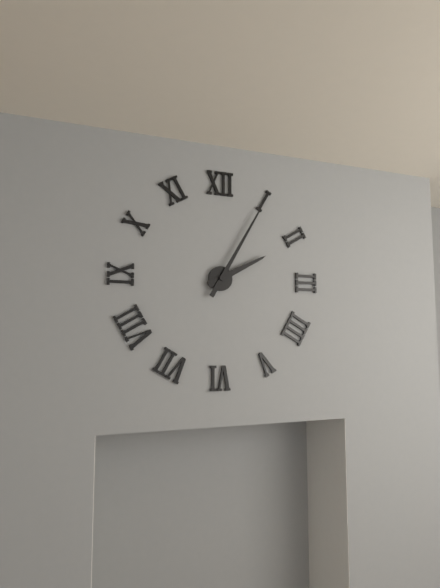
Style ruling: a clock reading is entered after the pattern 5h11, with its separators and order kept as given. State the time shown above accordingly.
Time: 2h05
